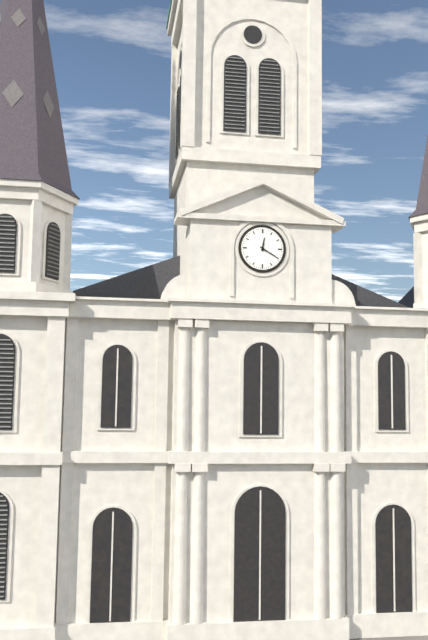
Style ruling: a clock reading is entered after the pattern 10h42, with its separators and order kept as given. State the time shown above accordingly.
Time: 12h20
